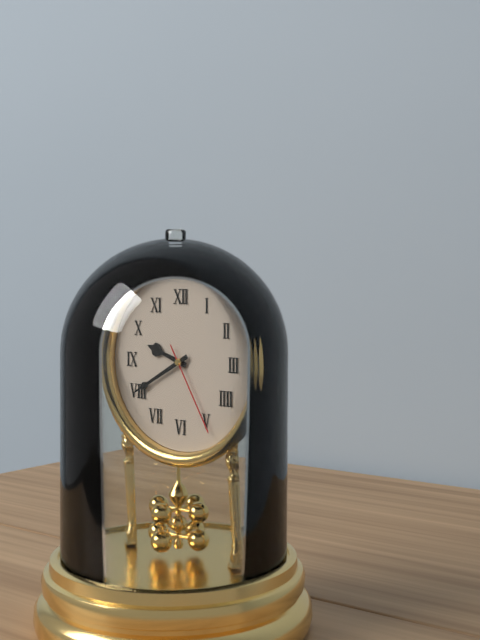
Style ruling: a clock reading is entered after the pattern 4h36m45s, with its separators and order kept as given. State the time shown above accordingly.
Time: 9h40m25s
